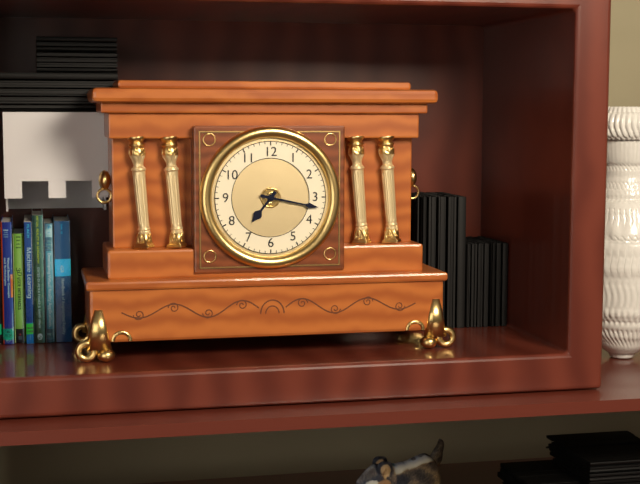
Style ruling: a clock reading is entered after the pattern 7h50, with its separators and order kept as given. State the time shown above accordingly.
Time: 7h17
